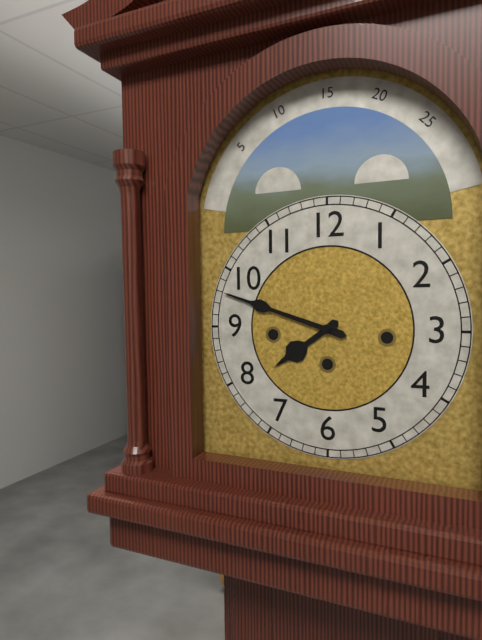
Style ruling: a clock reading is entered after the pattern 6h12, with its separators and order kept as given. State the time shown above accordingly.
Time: 7h48
